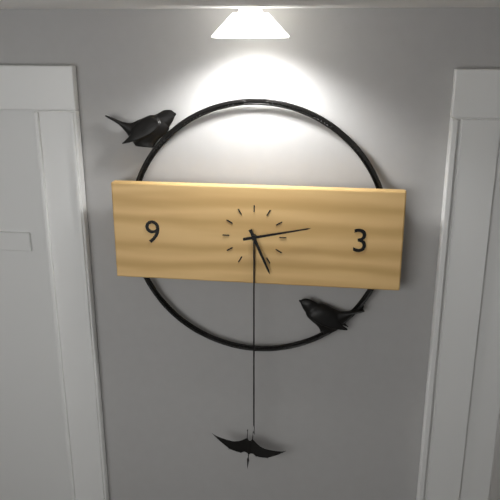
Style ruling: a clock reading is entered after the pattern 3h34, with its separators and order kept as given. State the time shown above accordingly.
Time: 5h13
